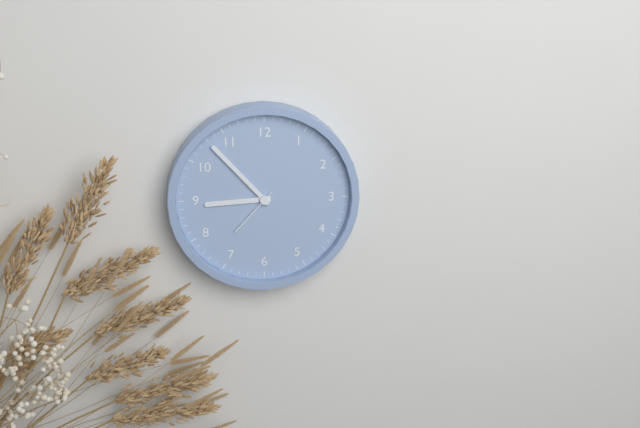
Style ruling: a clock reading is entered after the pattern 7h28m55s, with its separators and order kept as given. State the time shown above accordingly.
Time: 8h53m37s
